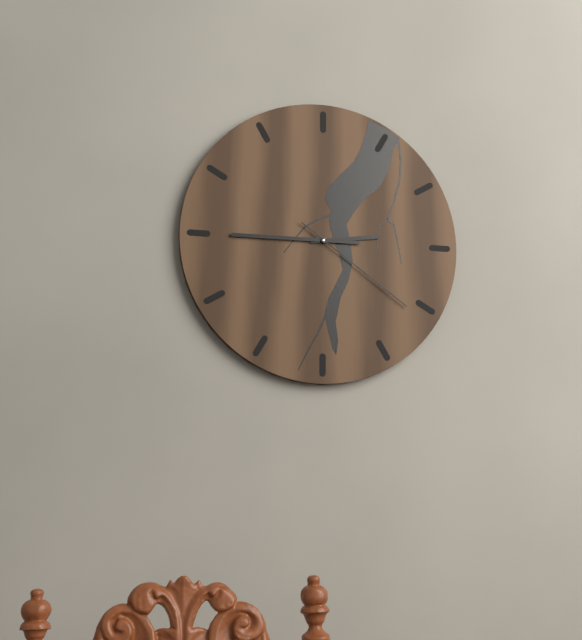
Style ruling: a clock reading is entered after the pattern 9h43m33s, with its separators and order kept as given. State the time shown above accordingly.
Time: 2h45m21s
